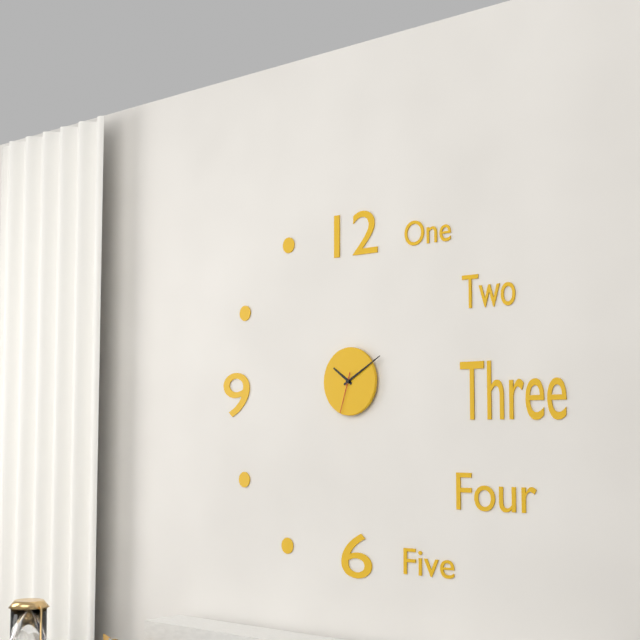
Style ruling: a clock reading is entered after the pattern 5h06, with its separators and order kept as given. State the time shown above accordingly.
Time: 10h10
